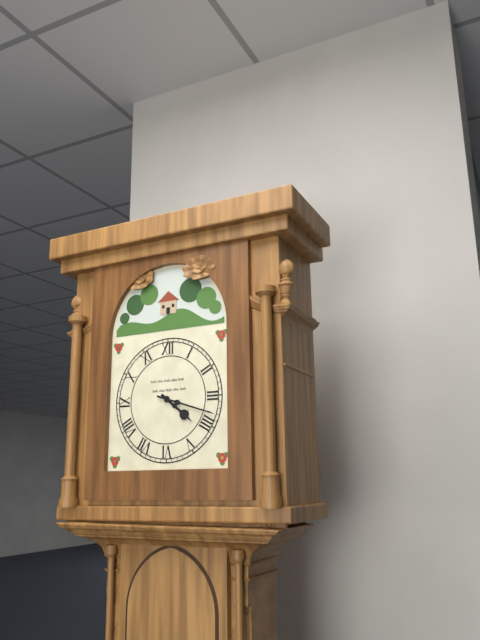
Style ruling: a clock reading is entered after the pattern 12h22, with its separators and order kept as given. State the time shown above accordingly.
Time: 4h18
